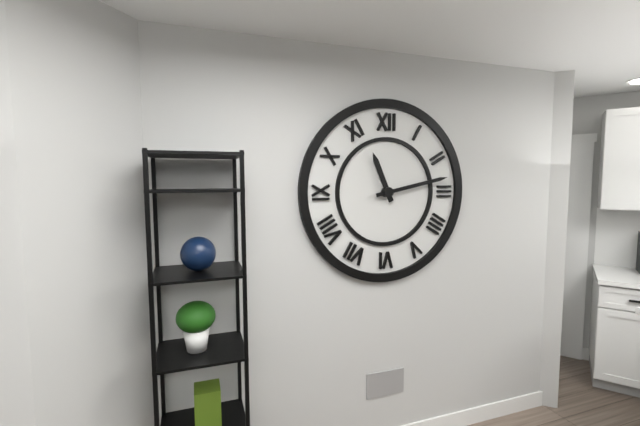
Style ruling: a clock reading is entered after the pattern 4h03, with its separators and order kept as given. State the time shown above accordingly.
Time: 11h13
